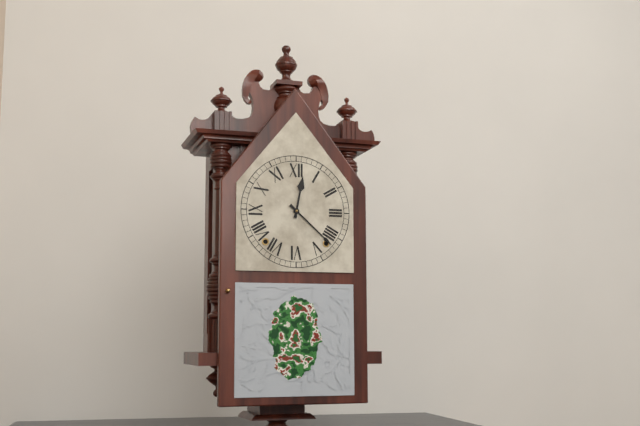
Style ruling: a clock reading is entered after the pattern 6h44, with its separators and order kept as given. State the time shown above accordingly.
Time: 12h22
